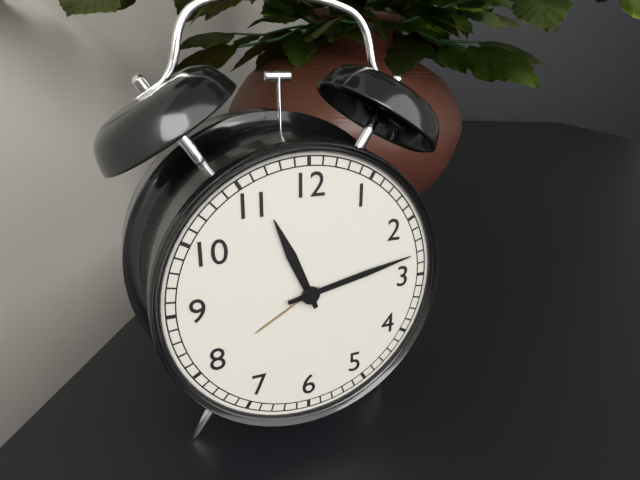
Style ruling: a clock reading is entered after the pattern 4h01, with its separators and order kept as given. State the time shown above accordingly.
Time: 11h13
